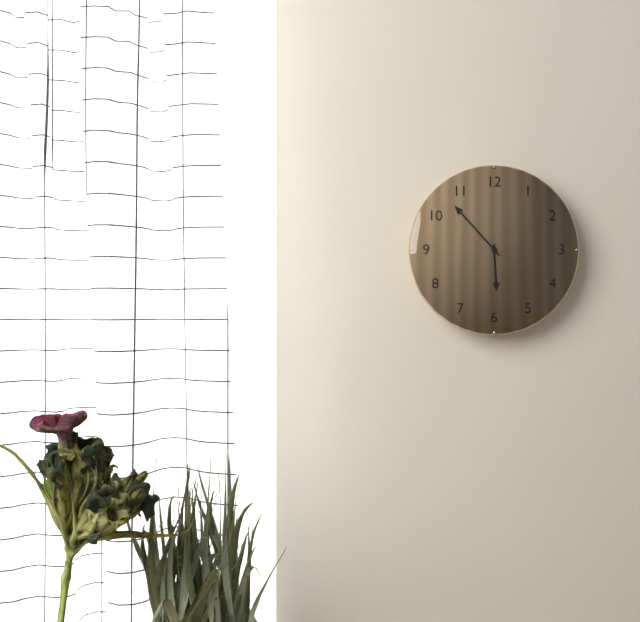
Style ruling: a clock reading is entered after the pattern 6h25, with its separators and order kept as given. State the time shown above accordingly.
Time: 5h53
